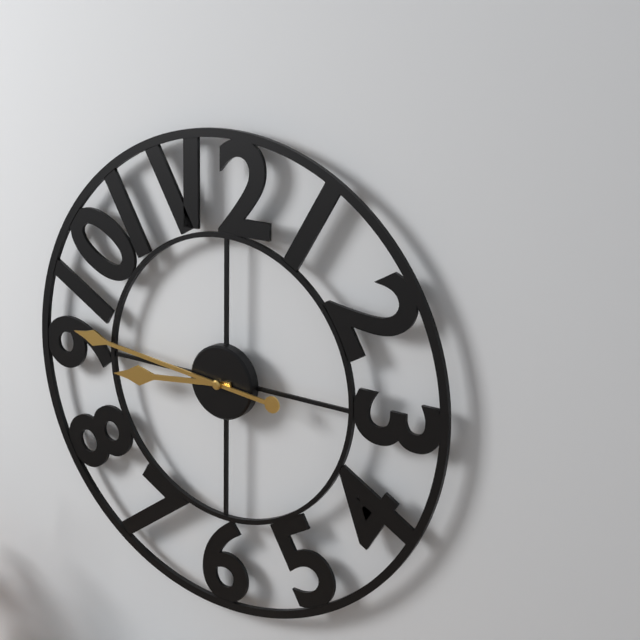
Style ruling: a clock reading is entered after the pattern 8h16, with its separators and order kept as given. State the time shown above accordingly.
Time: 8h46
